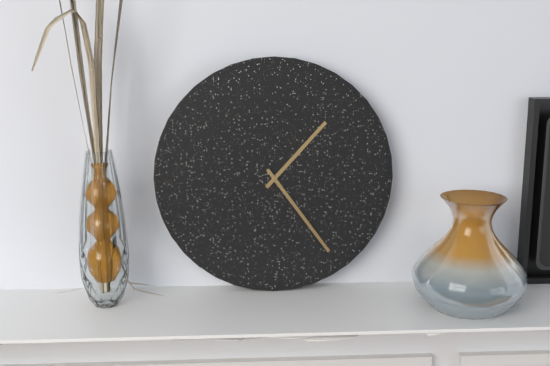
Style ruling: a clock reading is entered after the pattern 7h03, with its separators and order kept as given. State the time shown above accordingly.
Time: 1h24
